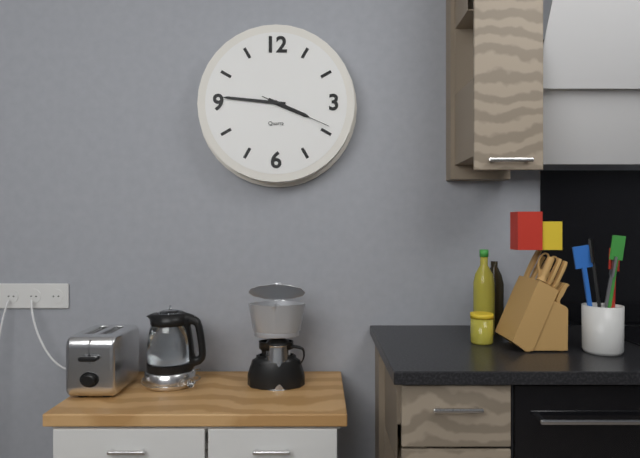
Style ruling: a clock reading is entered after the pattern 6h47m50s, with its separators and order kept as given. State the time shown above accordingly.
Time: 3h46m19s
